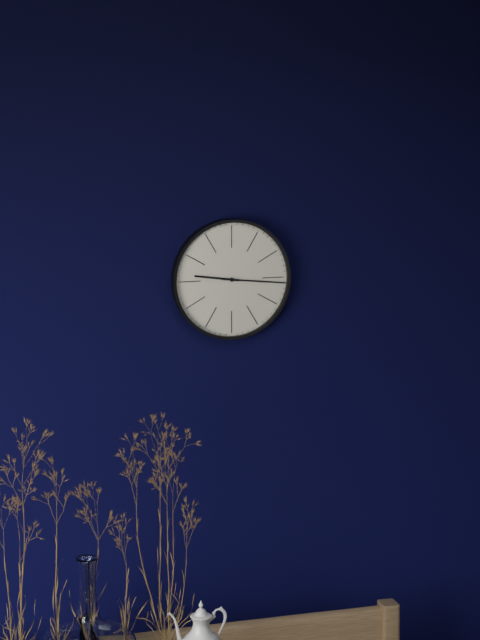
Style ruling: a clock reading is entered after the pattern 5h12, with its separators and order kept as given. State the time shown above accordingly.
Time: 9h16
